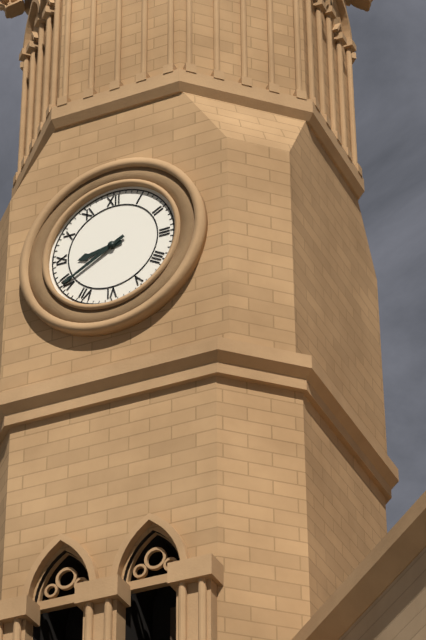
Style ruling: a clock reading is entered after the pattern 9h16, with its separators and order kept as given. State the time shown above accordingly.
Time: 8h40
